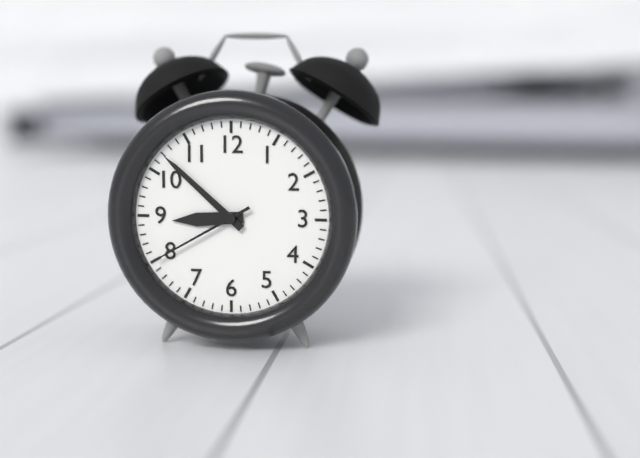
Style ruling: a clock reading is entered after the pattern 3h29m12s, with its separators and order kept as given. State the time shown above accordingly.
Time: 8h52m40s
